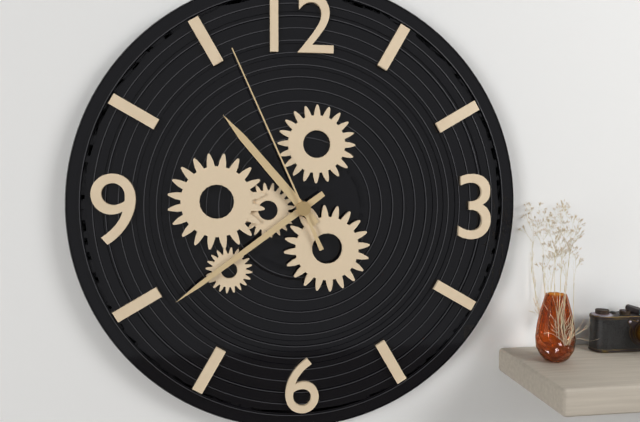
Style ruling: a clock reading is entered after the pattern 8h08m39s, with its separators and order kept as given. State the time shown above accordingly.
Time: 10h39m56s
